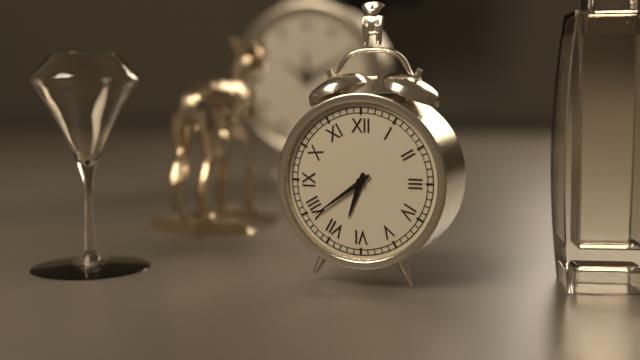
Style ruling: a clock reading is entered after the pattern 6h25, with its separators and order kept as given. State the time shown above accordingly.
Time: 6h39
